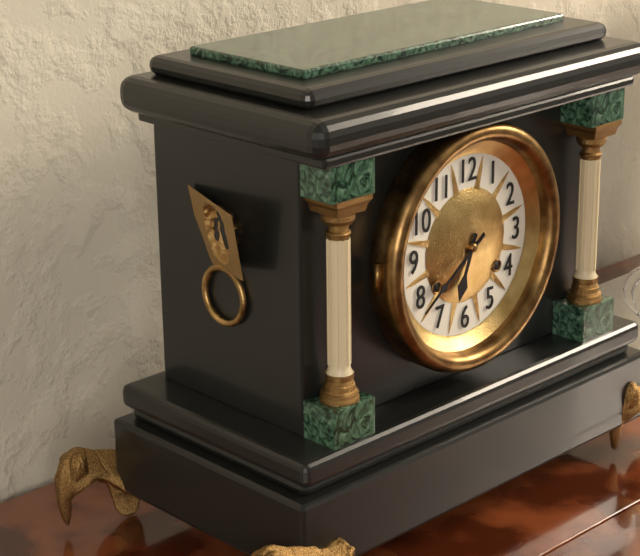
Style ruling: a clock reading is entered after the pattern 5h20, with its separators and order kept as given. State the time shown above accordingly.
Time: 6h39
